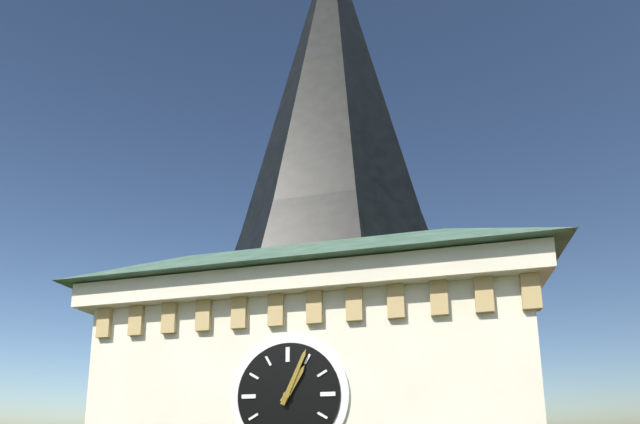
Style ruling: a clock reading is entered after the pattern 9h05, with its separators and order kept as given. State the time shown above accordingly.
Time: 1h04
